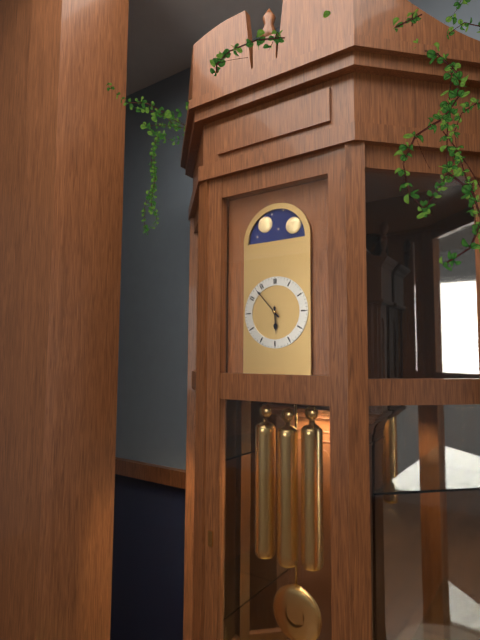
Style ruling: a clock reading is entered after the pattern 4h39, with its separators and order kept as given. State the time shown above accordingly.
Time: 5h53
